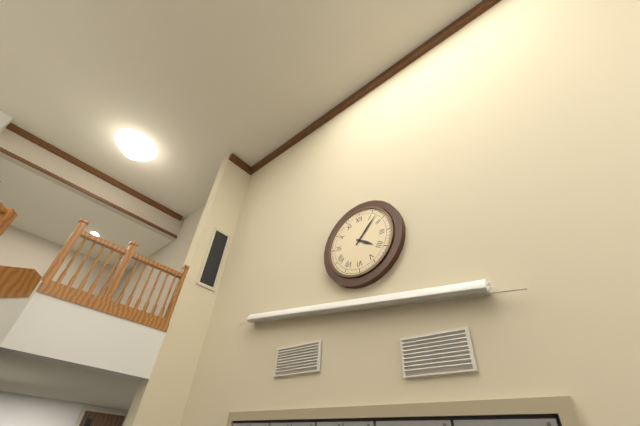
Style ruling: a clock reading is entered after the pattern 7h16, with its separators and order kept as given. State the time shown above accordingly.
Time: 4h07
